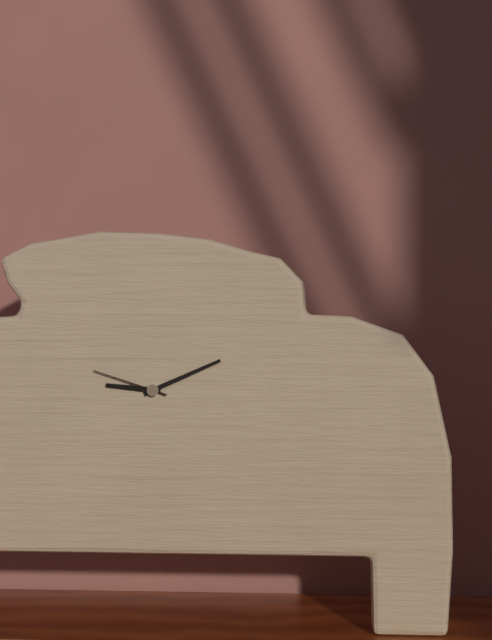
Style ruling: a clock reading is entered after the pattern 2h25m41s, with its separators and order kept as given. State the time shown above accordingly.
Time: 9h11m48s
